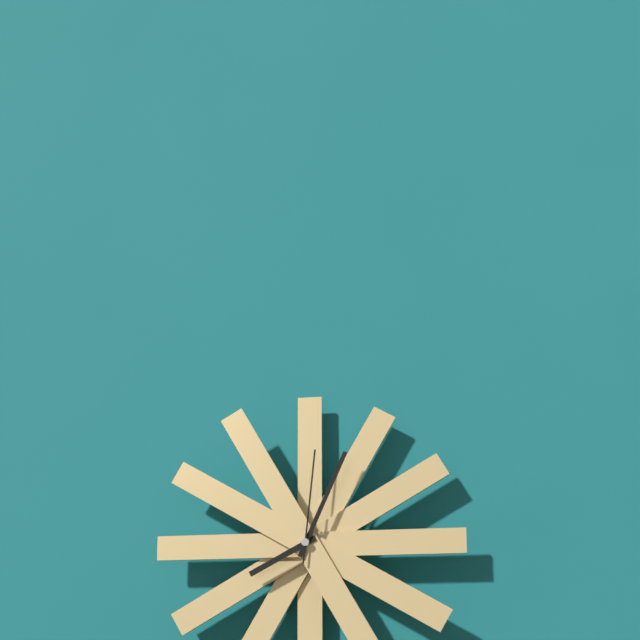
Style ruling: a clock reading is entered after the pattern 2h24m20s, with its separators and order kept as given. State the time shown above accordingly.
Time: 8h04m01s
